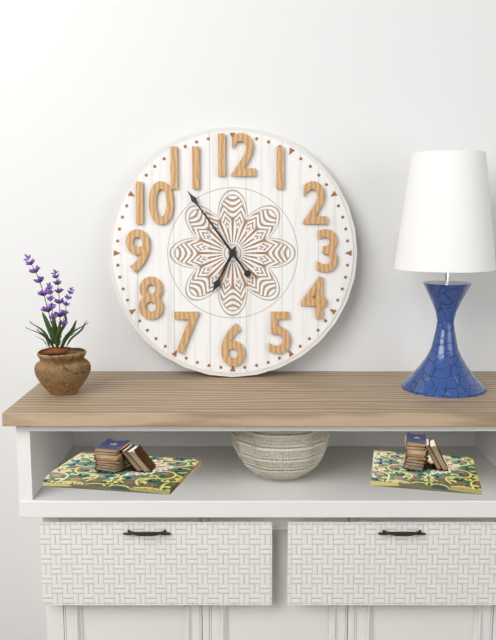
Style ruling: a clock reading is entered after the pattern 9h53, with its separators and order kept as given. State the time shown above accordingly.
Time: 6h54
